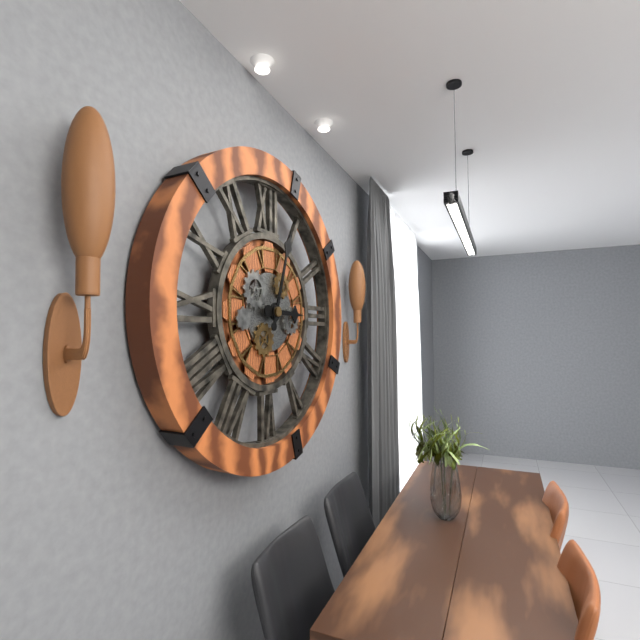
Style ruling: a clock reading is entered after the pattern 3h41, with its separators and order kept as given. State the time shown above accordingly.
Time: 3h03
